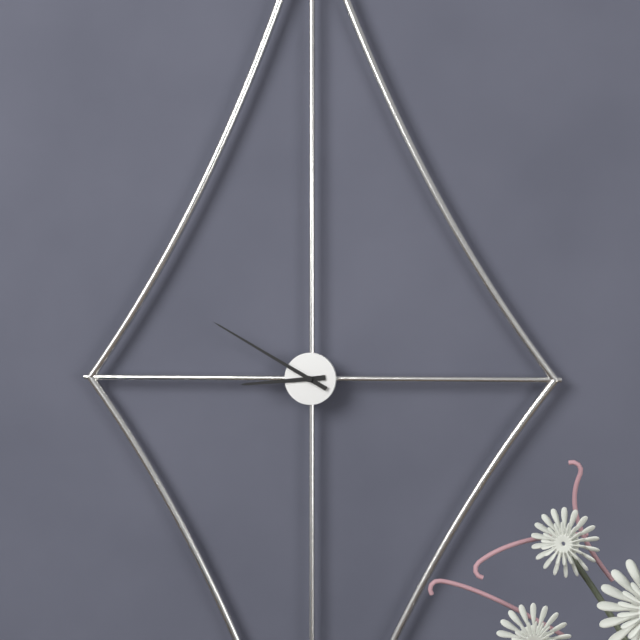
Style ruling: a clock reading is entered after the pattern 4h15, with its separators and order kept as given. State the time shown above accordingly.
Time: 8h50
